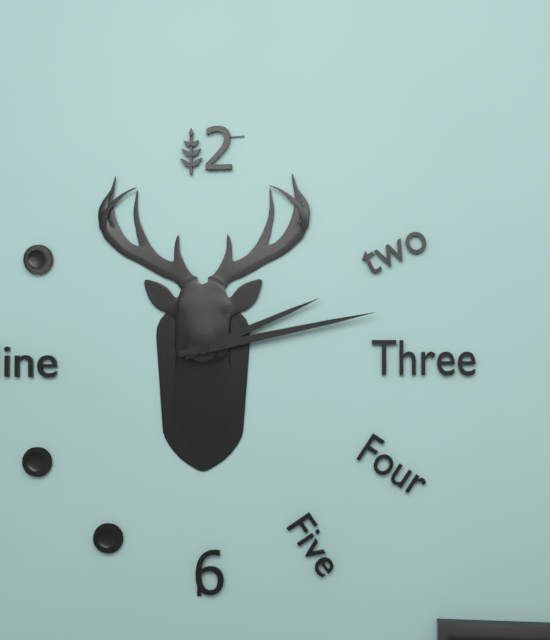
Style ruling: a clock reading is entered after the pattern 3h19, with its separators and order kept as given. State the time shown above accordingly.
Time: 2h13
